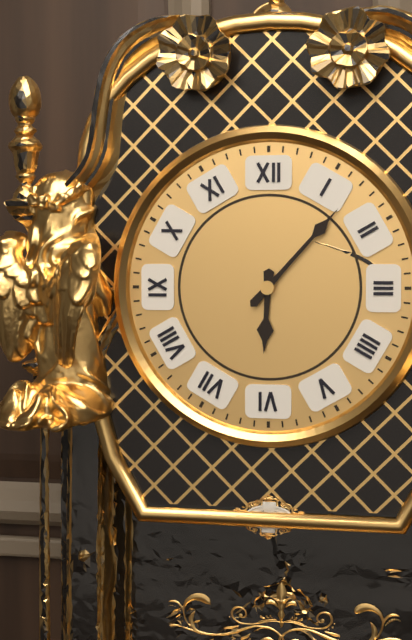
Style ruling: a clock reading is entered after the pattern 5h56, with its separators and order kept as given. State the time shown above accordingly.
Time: 6h07
